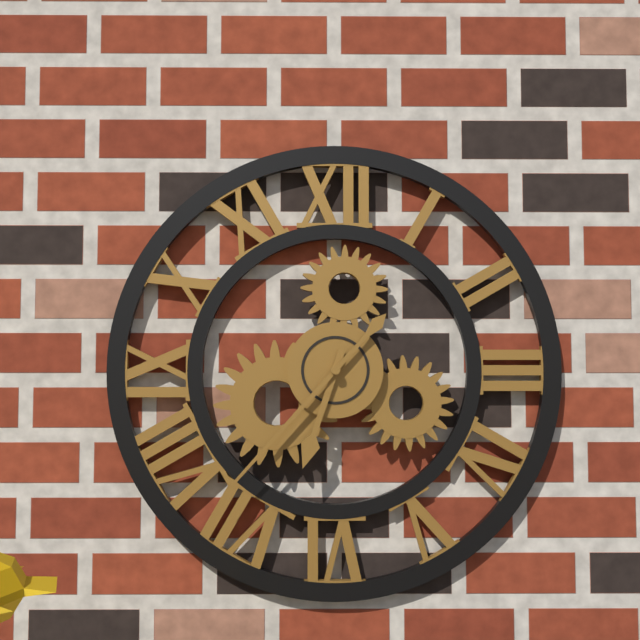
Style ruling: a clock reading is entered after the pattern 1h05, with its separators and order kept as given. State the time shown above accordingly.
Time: 6h37
